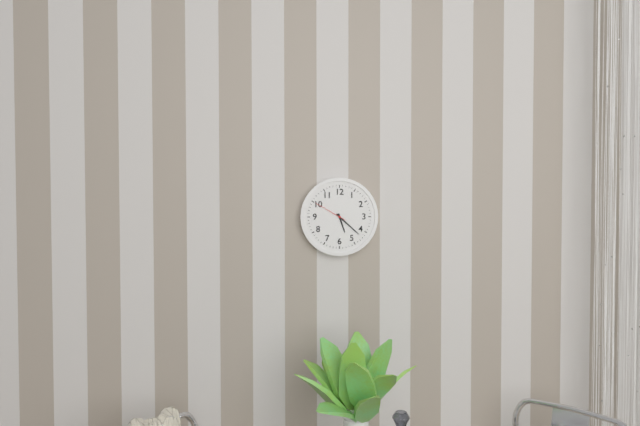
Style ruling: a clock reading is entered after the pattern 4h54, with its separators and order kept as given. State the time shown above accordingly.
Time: 5h22
